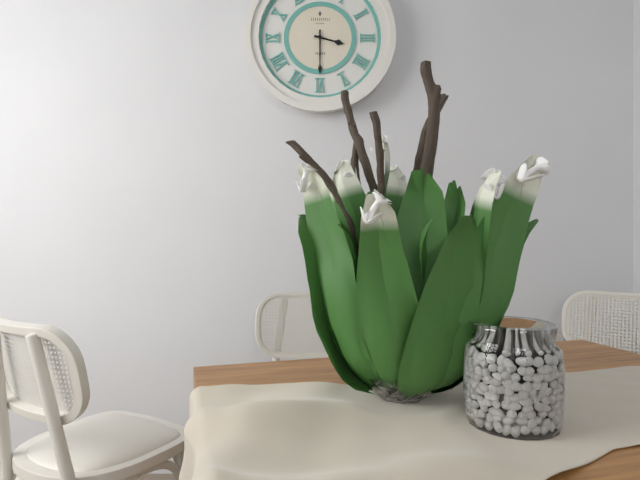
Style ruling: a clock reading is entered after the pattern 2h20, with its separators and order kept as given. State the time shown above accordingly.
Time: 3h30
